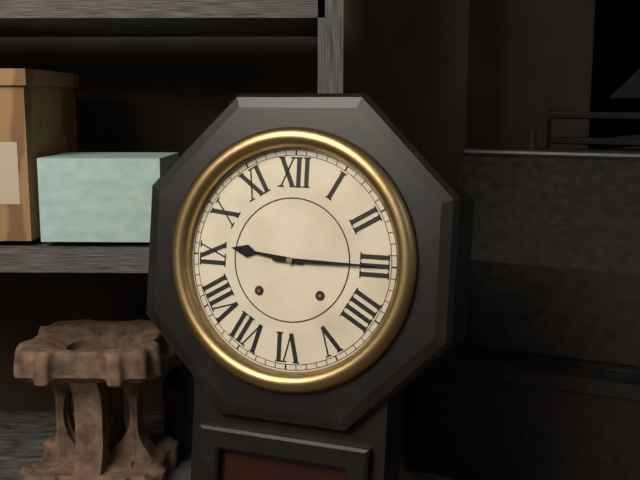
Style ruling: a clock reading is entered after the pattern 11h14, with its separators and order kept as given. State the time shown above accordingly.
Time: 9h15
